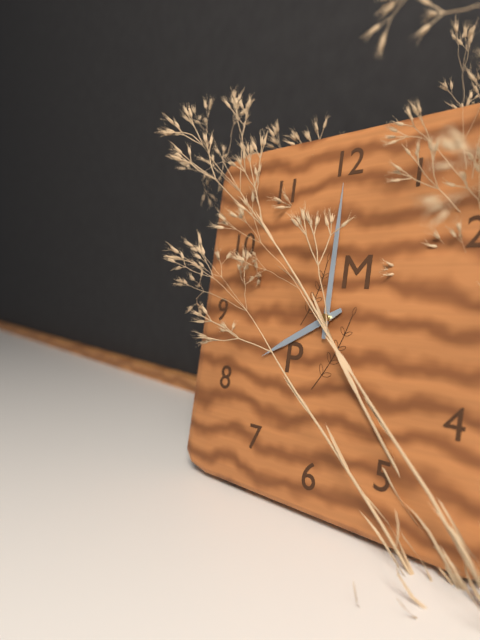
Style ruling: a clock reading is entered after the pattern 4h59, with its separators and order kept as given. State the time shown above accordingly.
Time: 8h00
